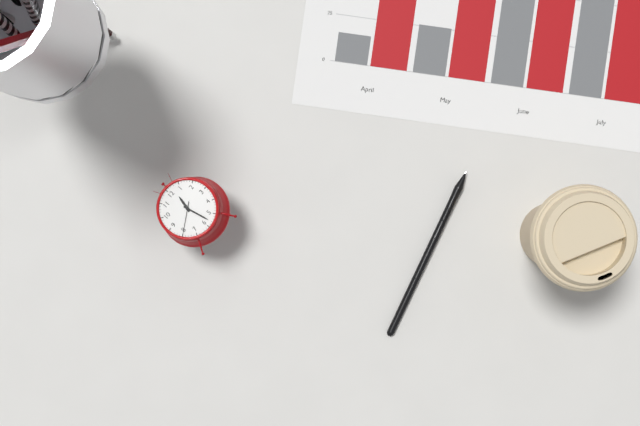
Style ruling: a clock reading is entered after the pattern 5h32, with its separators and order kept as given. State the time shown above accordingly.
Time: 12h28
